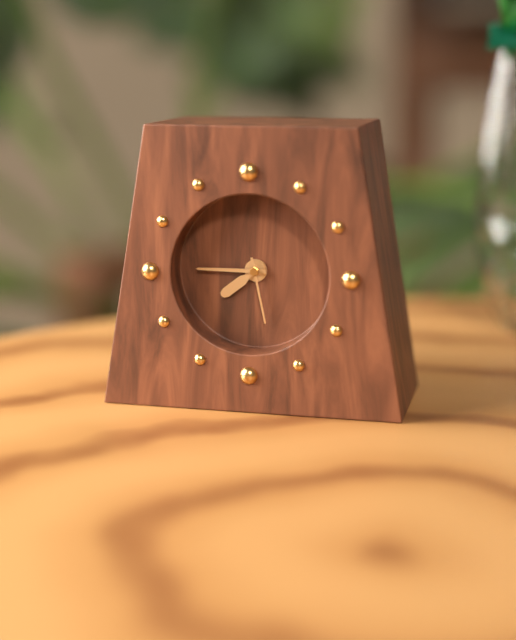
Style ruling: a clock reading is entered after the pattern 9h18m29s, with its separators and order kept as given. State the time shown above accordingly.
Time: 7h45m28s
